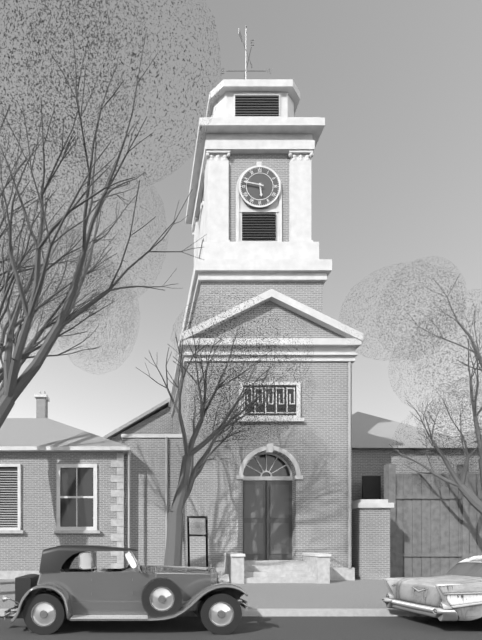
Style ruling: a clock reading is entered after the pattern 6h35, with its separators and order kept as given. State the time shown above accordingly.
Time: 5h47
